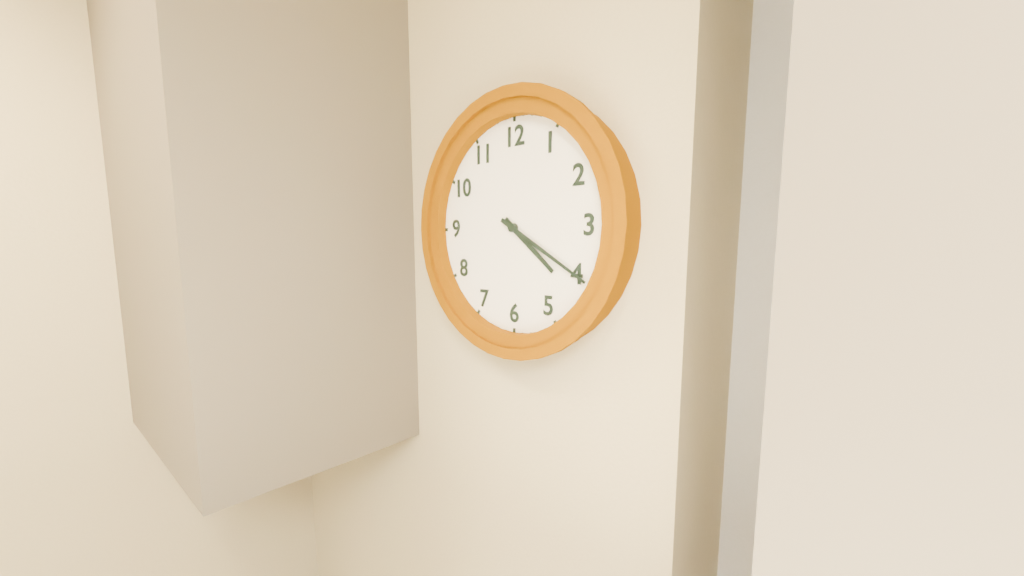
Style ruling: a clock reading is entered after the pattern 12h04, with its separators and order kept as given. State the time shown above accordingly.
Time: 4h20
